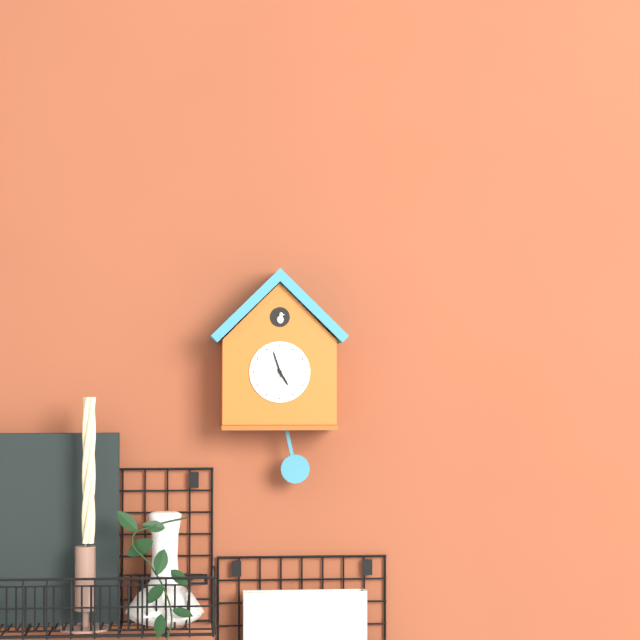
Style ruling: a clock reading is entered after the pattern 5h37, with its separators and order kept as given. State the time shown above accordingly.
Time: 4h57
